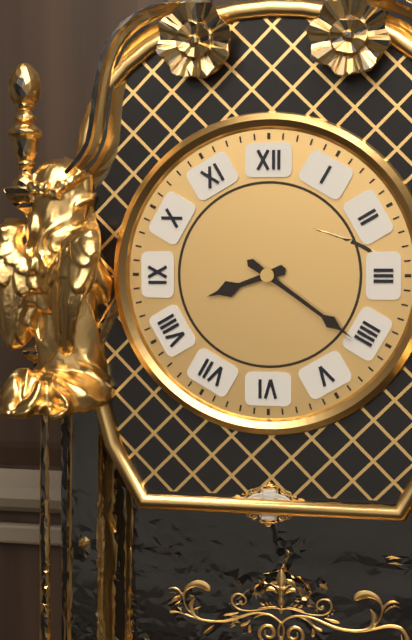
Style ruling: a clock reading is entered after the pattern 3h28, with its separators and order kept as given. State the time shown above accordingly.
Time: 8h21
